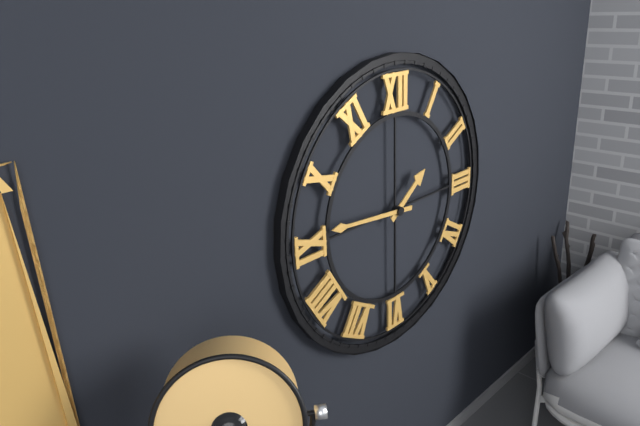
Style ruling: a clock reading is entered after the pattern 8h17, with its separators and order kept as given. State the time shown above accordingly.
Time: 1h46
